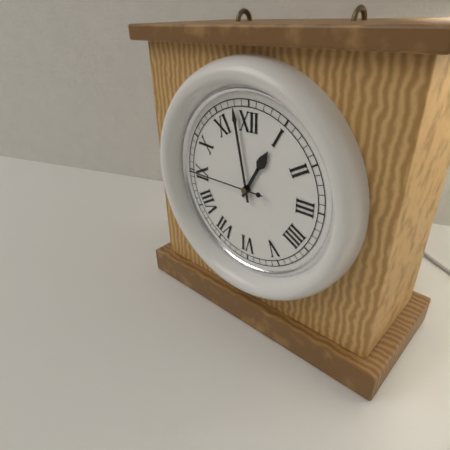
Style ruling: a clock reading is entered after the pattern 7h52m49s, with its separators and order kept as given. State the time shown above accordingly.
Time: 12h58m45s
